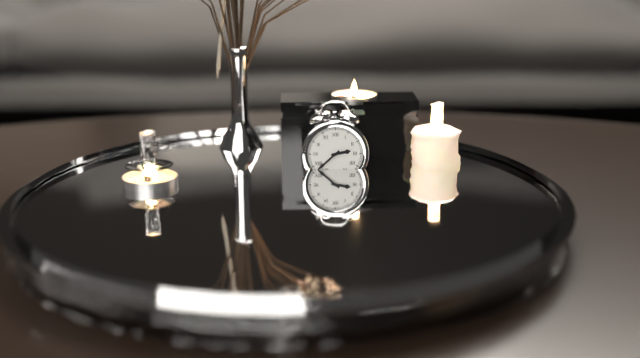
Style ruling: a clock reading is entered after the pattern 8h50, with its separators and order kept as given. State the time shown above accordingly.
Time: 2h38
